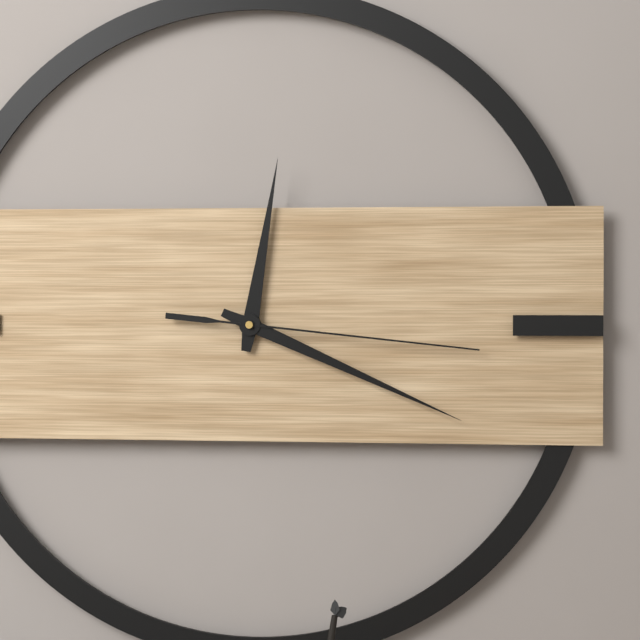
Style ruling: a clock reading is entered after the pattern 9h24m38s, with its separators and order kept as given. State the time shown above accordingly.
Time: 12h19m16s
